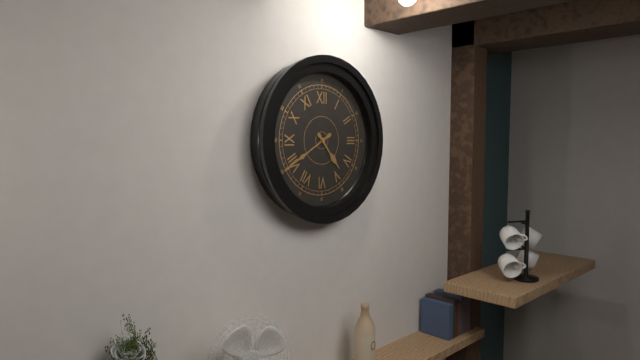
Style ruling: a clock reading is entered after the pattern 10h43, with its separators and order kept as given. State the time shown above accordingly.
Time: 4h40
